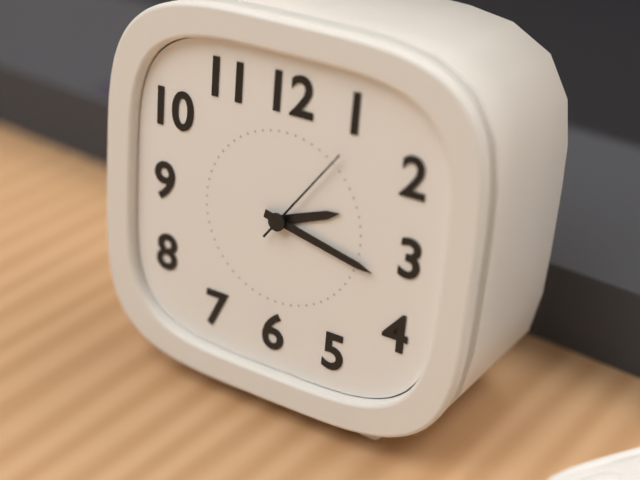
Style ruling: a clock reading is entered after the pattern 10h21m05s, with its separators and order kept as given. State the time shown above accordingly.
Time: 2h17m06s
